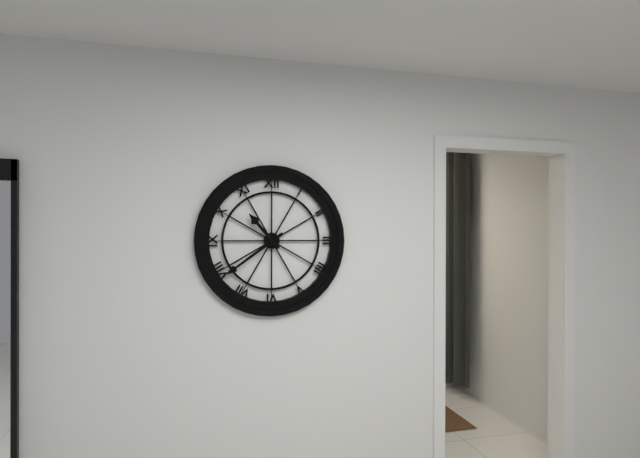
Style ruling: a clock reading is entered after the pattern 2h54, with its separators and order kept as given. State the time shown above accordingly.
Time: 10h39
